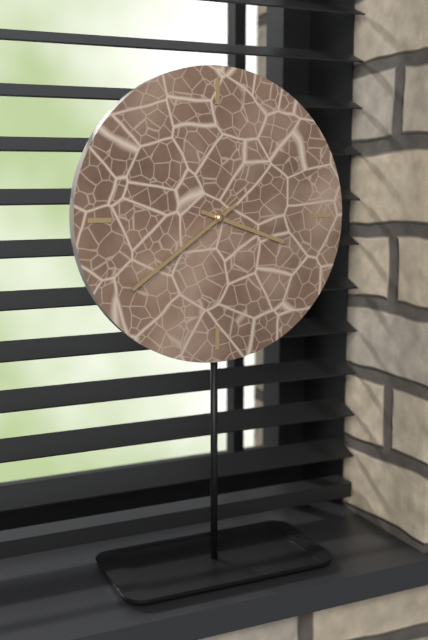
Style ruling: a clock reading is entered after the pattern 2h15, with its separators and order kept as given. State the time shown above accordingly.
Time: 3h39
